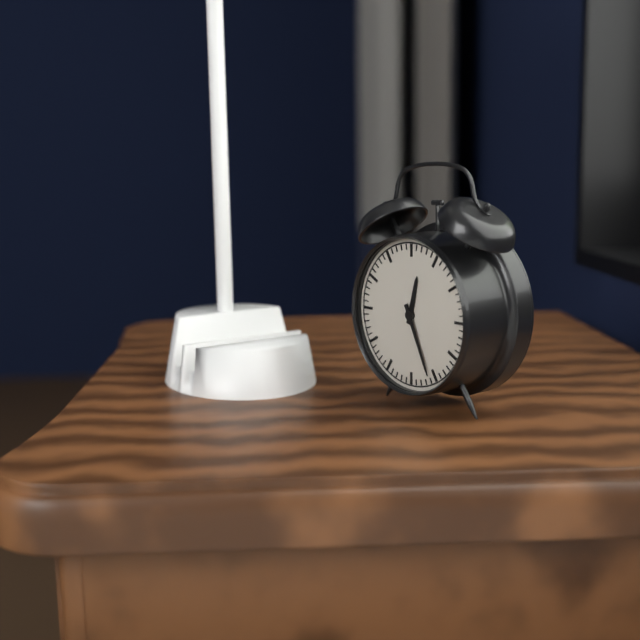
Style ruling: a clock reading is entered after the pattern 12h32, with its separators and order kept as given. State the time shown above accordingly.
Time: 12h26
